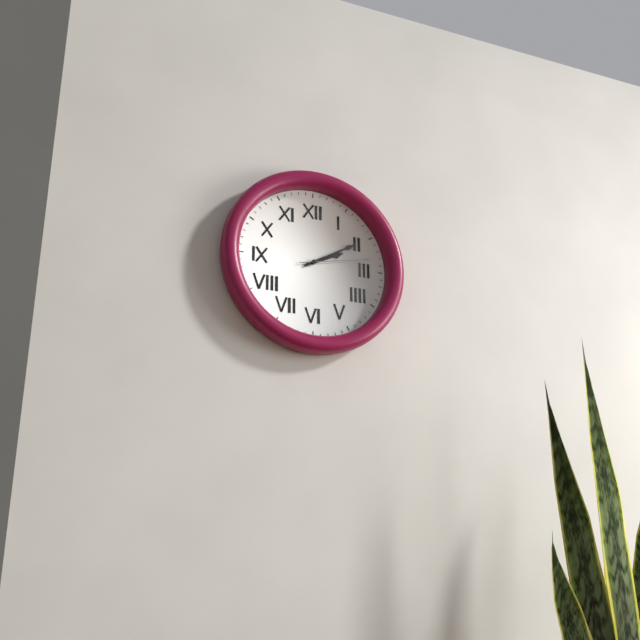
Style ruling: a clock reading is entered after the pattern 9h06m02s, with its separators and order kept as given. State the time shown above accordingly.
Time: 2h10m13s
